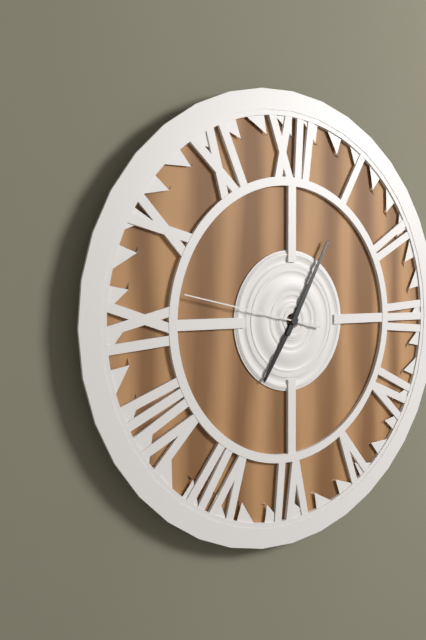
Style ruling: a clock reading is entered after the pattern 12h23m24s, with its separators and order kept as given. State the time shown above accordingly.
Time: 7h05m47s
